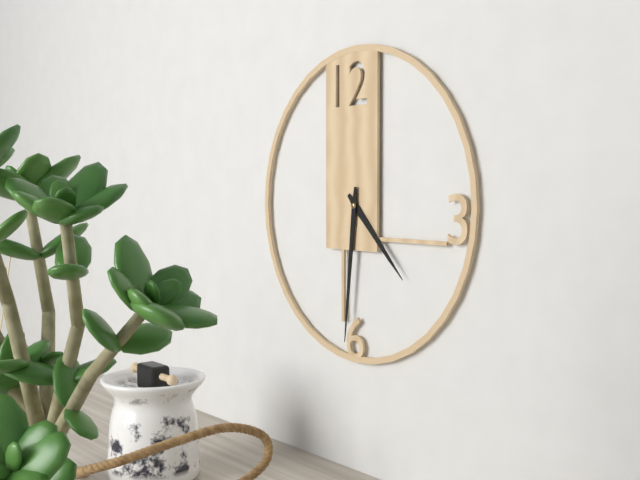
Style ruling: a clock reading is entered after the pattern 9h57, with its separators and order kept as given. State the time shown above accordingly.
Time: 4h31
